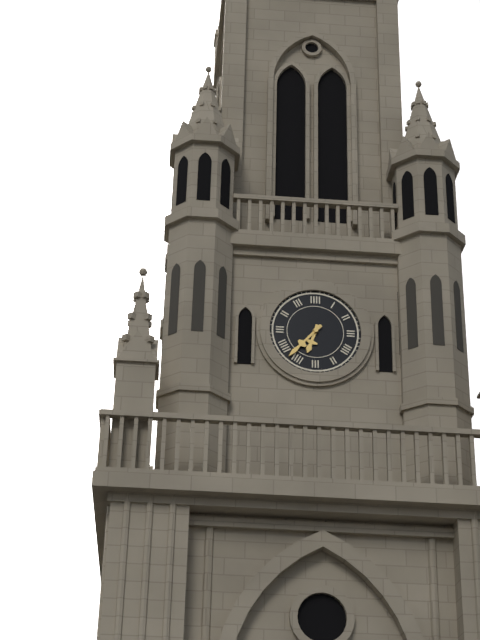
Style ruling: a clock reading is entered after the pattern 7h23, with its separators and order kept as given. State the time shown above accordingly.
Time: 6h37
